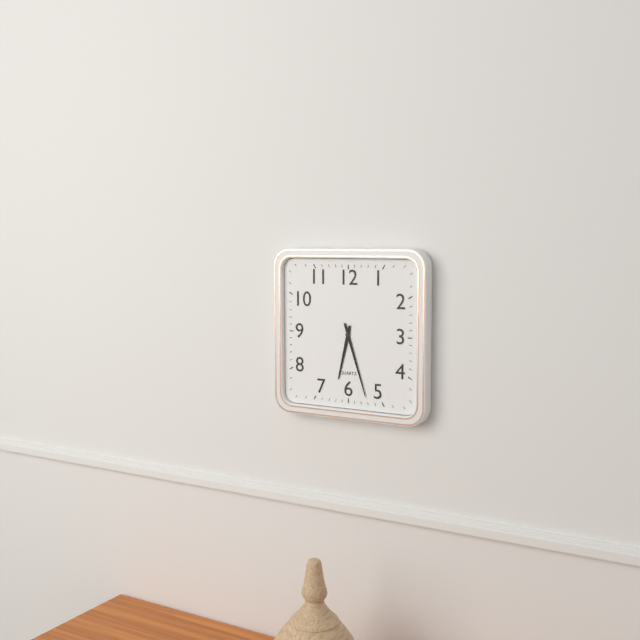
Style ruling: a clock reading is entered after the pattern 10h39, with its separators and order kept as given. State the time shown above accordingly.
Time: 6h27
